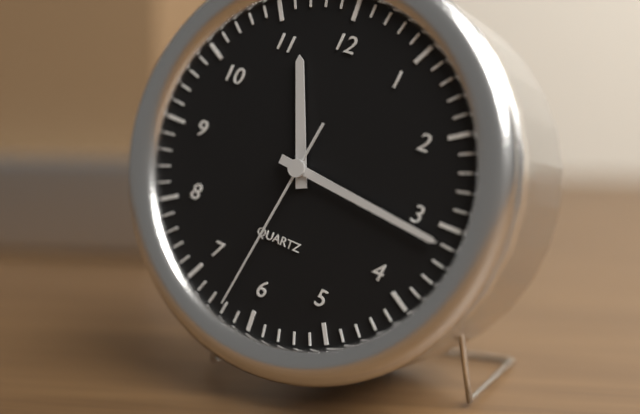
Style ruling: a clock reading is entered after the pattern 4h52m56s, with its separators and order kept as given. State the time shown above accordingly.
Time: 11h16m32s
